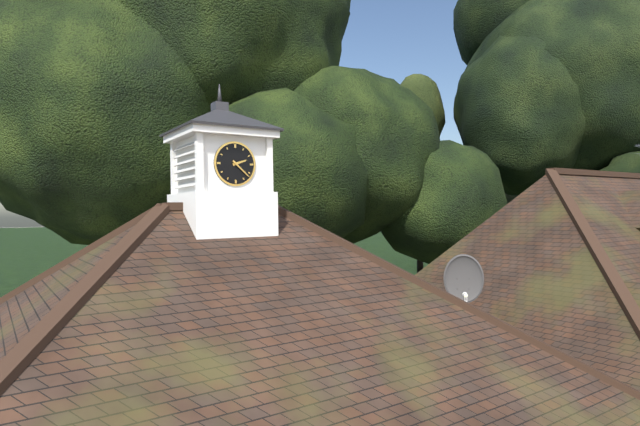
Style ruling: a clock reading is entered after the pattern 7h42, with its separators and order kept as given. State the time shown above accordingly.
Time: 2h22
